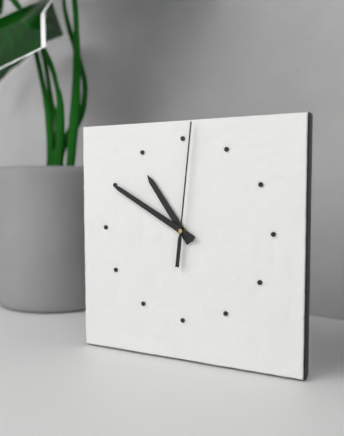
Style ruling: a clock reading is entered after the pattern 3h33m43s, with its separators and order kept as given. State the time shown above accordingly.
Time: 10h50m01s
